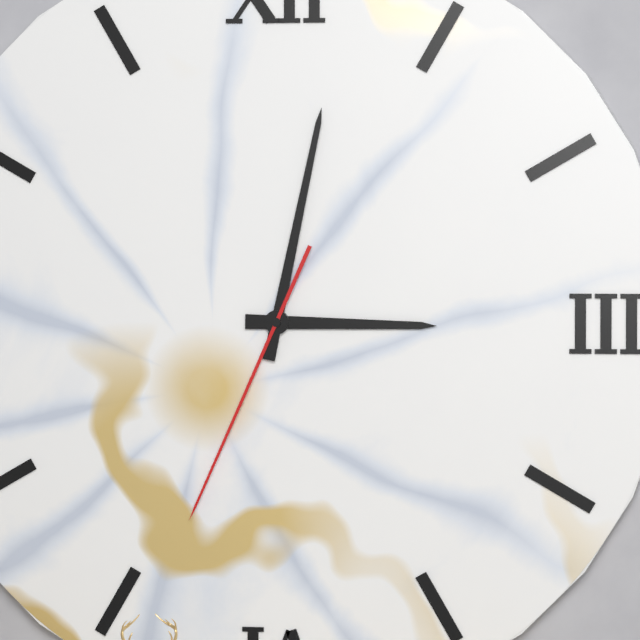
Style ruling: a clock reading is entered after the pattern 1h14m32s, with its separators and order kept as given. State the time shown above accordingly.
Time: 3h02m34s
